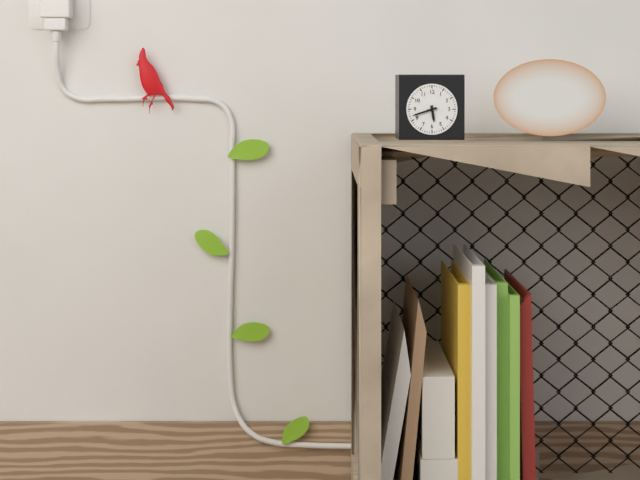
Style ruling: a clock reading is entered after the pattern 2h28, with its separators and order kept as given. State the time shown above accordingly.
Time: 5h42
